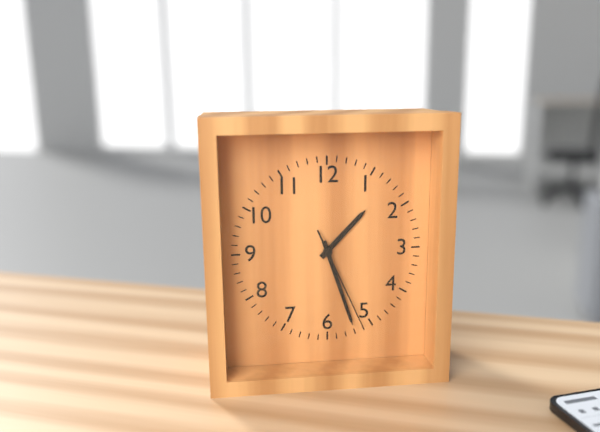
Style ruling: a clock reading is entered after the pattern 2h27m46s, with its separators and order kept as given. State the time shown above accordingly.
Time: 1h27m26s
